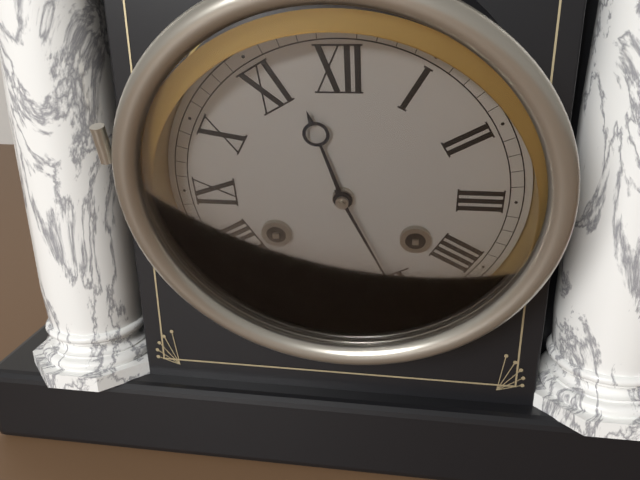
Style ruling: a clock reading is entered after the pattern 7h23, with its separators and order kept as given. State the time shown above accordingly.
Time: 11h26
